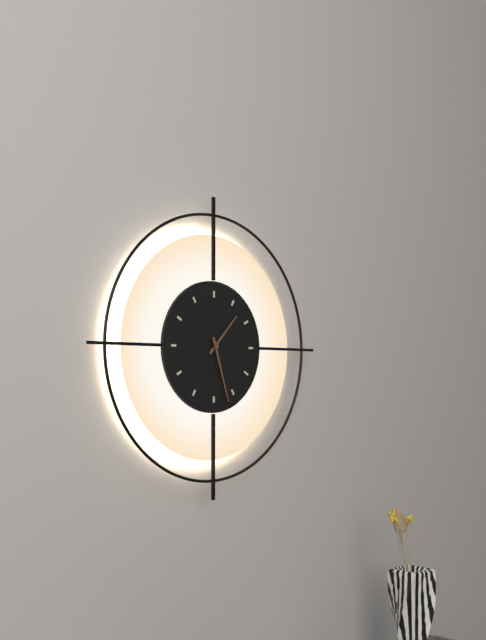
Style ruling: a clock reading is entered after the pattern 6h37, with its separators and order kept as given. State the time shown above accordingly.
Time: 1h27
